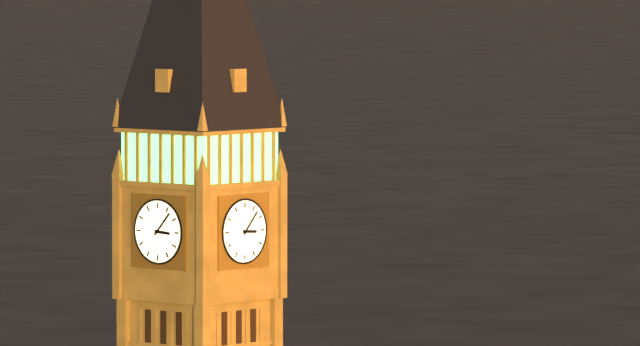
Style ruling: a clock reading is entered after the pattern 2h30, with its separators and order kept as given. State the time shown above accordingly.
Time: 3h07
